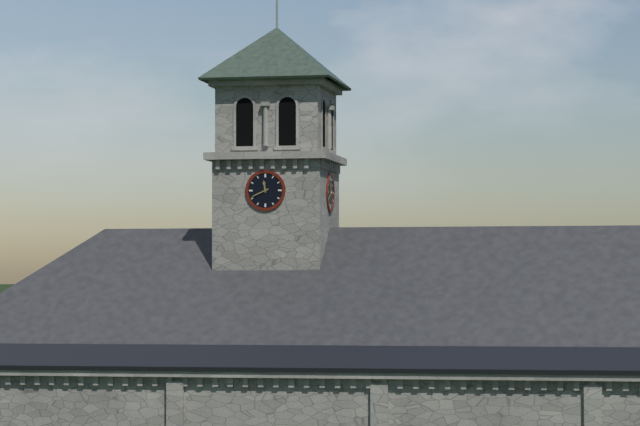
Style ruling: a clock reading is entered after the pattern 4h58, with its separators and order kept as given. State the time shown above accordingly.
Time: 11h41
